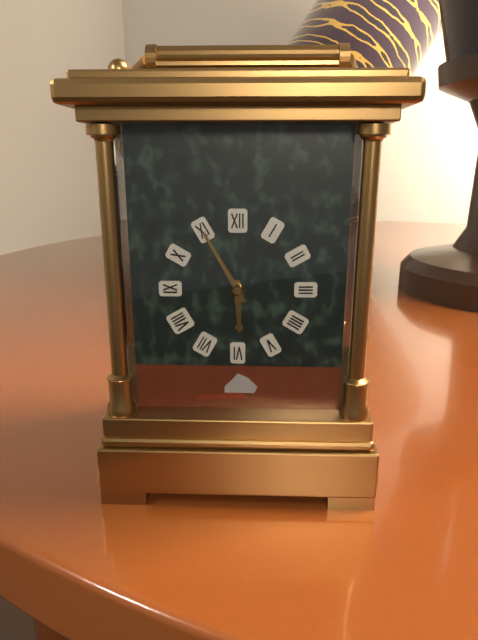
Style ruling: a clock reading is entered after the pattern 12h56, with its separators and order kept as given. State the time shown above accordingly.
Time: 5h55
